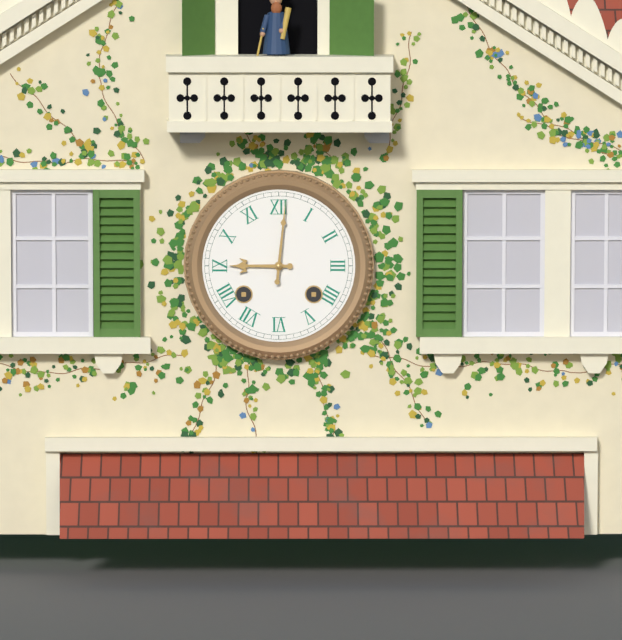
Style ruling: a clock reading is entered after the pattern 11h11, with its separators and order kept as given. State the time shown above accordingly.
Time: 9h01
